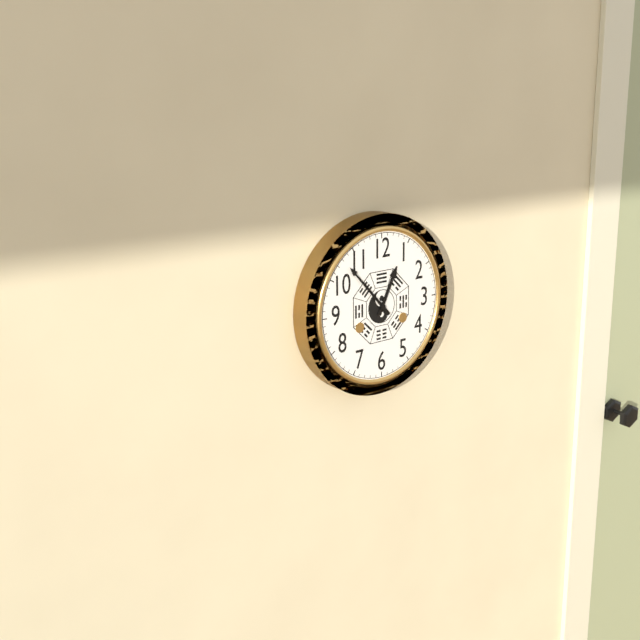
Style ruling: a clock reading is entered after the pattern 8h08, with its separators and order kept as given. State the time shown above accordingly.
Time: 12h53
